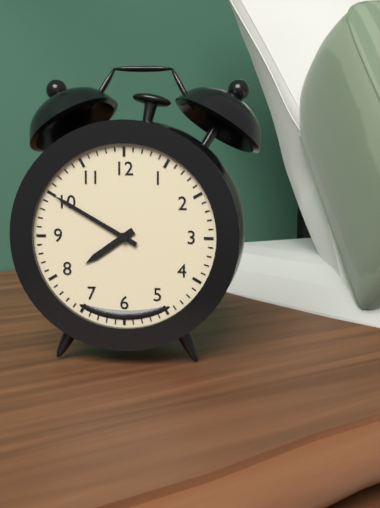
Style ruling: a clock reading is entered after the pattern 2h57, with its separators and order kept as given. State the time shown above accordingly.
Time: 7h50
